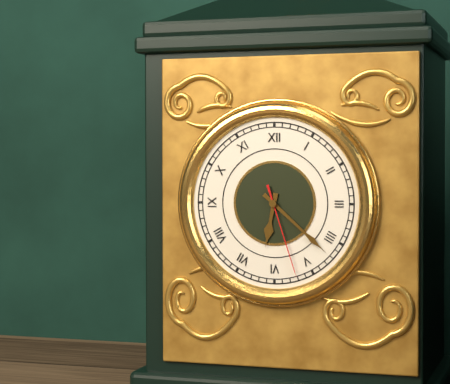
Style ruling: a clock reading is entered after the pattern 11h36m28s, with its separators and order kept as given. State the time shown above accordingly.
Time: 6h22m27s
